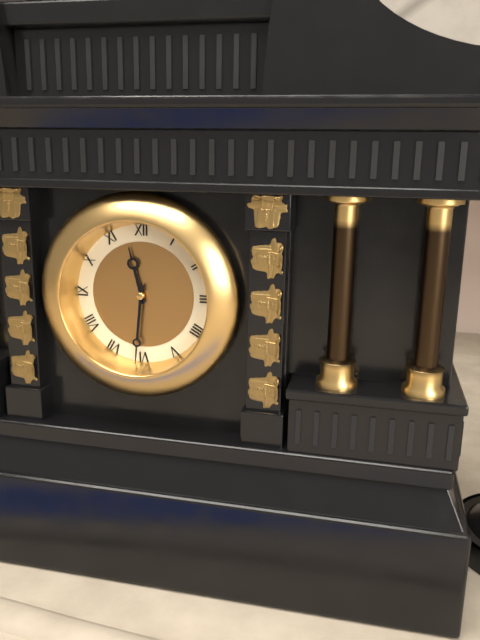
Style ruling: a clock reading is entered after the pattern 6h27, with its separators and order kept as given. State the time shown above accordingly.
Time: 11h31
